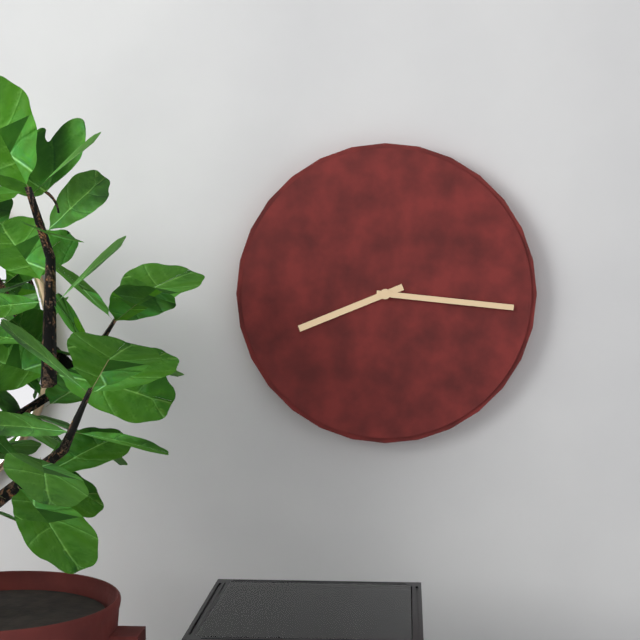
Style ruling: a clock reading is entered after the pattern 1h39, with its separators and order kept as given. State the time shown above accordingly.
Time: 8h16
